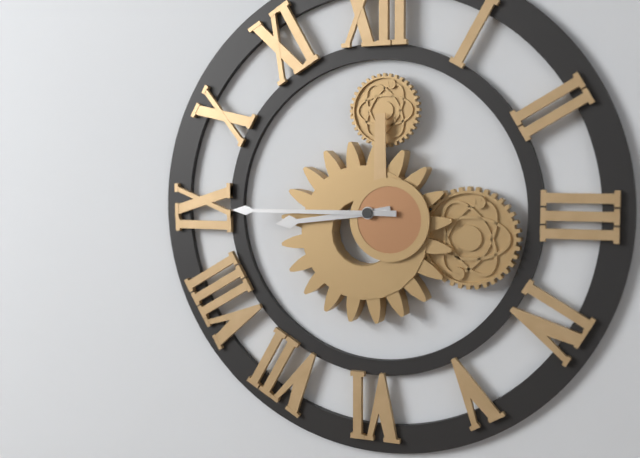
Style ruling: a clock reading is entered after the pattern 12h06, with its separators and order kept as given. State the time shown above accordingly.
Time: 8h45
